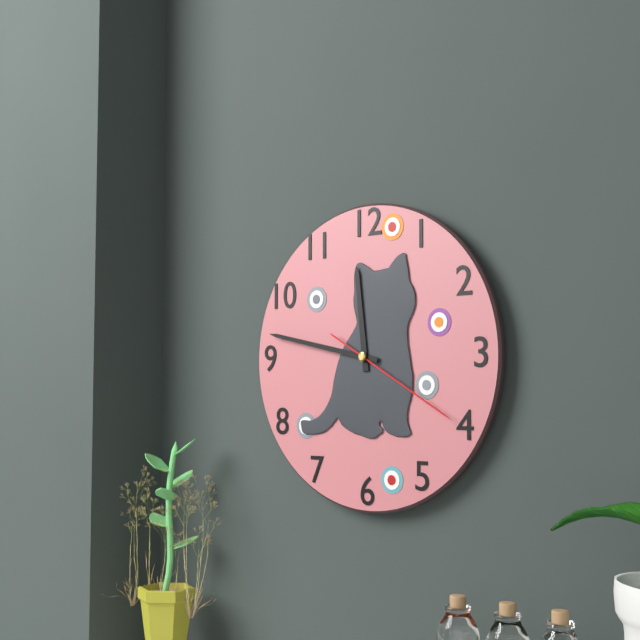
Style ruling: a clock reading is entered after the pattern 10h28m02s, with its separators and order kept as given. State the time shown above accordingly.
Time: 11h47m20s
